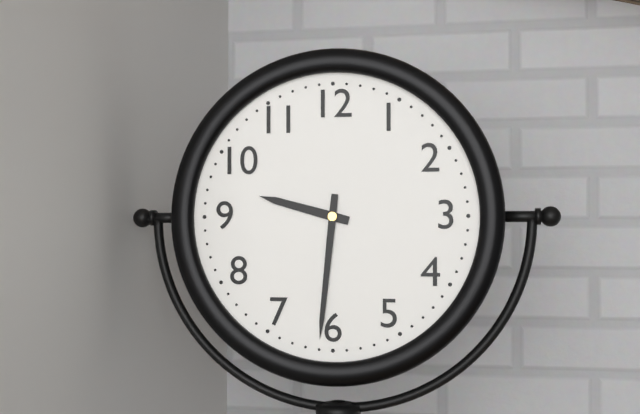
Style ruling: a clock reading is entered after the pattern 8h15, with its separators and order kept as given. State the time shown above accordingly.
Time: 9h31
